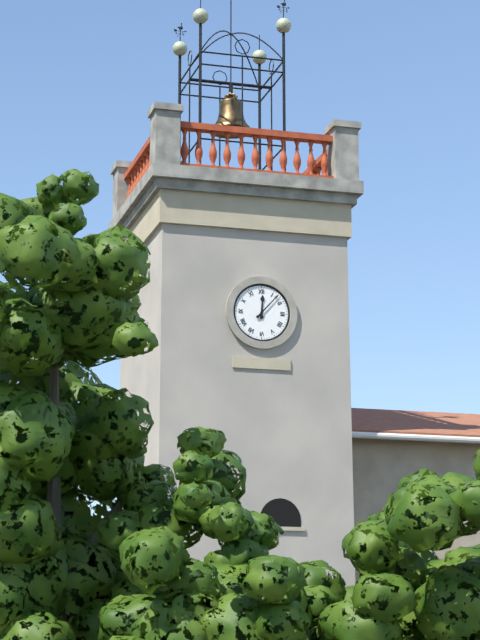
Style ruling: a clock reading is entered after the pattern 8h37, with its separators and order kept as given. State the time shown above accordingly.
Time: 12h07
